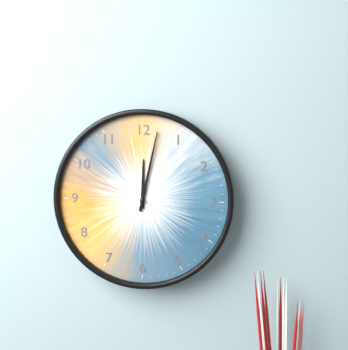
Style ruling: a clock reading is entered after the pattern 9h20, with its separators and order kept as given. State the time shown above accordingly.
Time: 12h02
